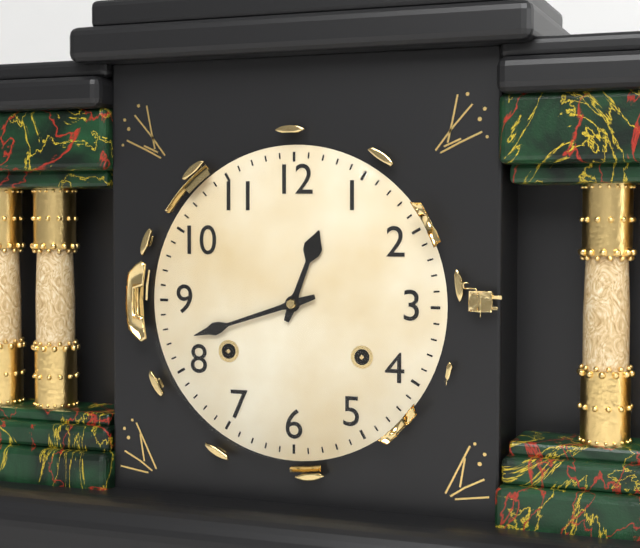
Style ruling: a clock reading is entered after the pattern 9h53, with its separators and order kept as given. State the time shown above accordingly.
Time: 12h42
